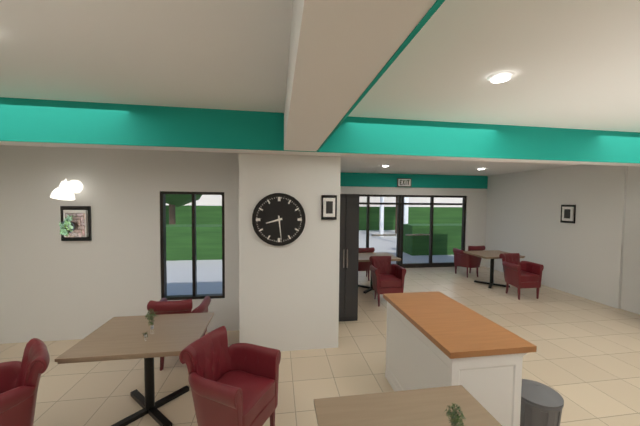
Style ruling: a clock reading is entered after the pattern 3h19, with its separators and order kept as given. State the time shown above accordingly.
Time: 8h29
